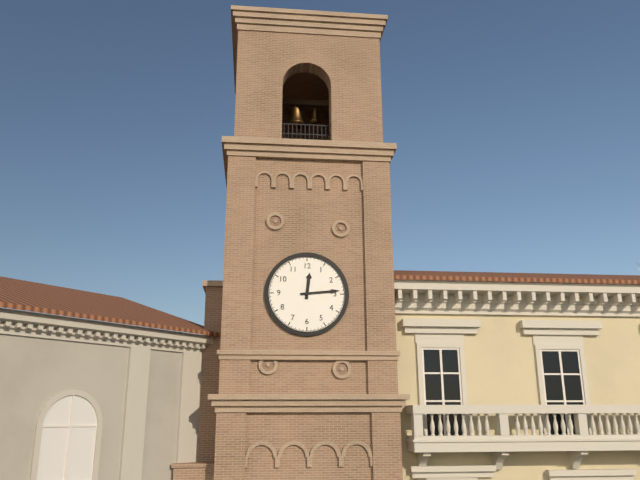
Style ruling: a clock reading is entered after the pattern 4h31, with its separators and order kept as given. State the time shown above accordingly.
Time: 12h14
